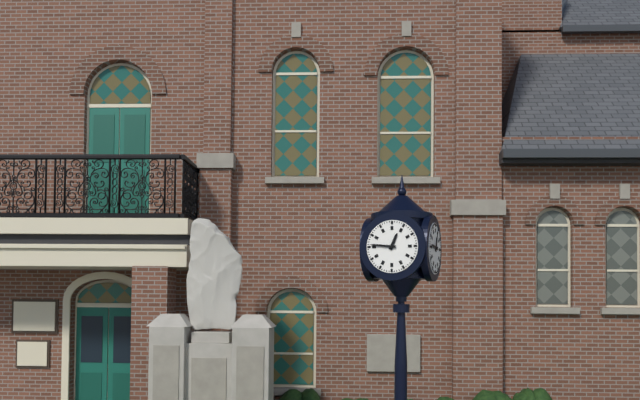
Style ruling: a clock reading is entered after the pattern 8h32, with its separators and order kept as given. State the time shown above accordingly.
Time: 12h46
